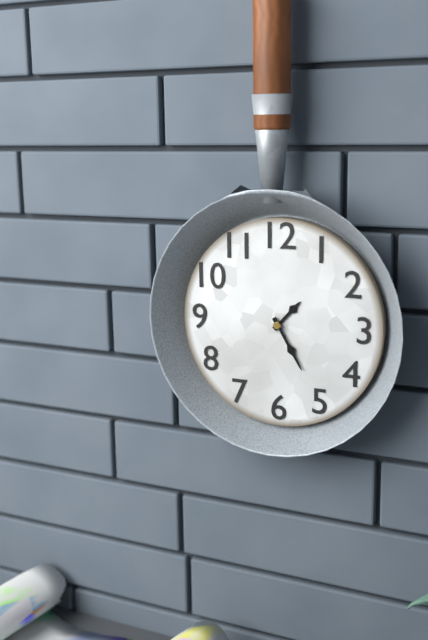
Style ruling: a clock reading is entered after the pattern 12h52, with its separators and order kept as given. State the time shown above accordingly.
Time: 1h25
